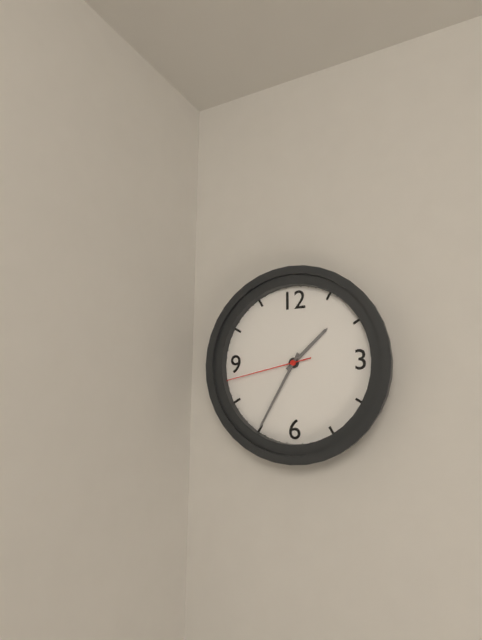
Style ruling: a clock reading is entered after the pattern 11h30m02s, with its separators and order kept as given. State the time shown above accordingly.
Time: 1h35m43s
